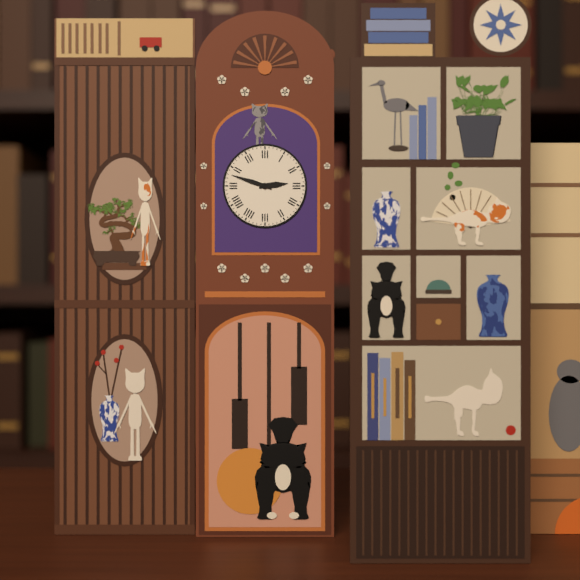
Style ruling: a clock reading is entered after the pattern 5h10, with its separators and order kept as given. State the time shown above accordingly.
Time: 2h48
